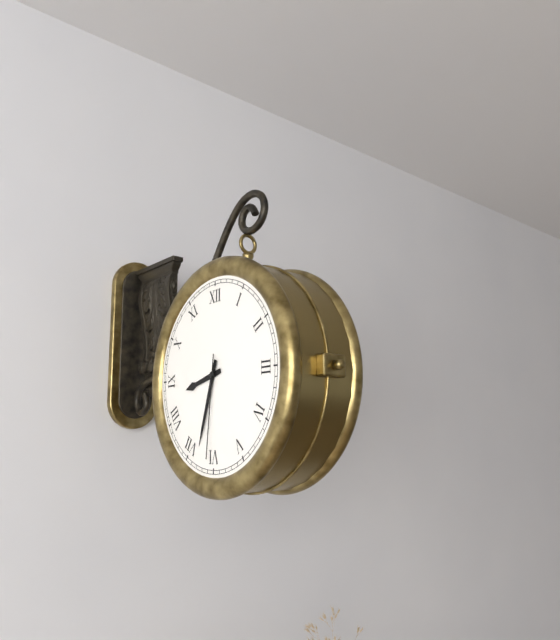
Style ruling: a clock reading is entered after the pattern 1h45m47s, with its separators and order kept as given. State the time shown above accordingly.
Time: 8h33m31s
